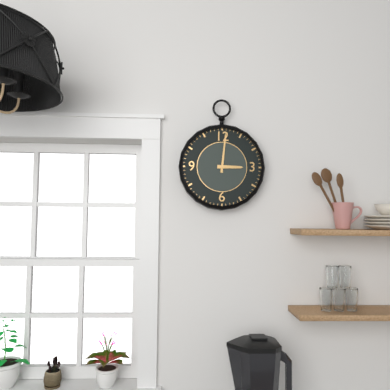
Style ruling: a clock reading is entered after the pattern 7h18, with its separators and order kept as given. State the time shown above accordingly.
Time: 3h01
